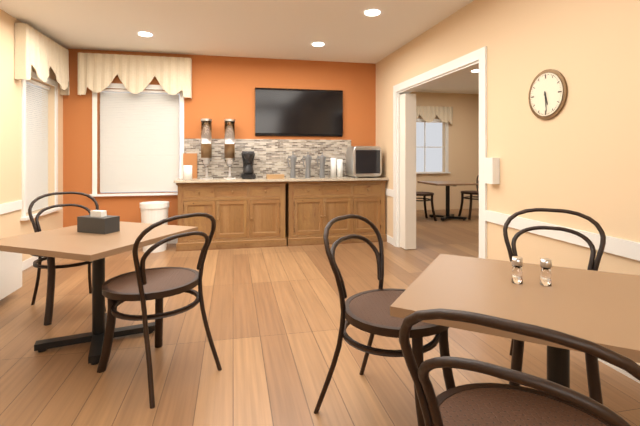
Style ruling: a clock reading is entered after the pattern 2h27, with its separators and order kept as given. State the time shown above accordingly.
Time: 5h29
